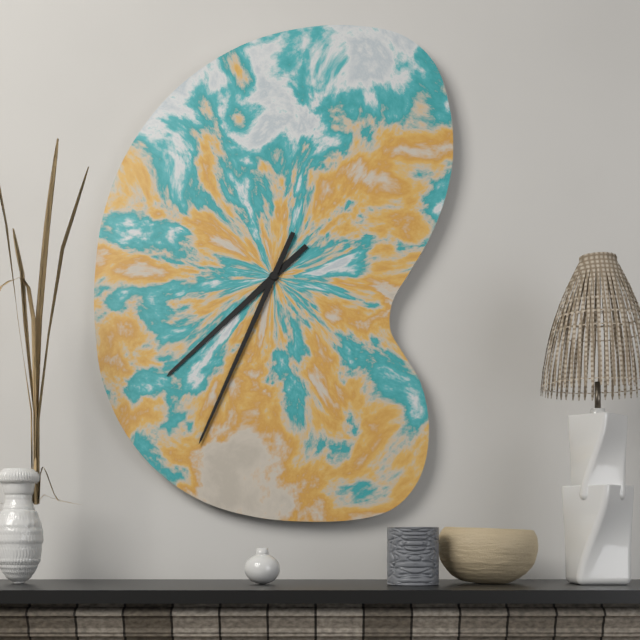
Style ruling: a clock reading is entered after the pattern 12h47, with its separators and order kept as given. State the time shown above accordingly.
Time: 7h34
